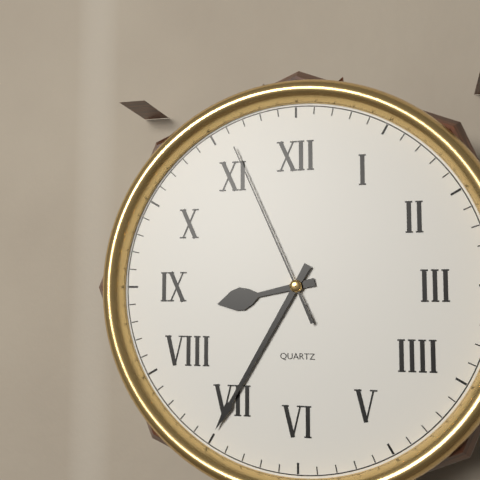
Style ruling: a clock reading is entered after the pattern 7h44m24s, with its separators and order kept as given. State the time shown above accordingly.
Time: 8h35m56s
